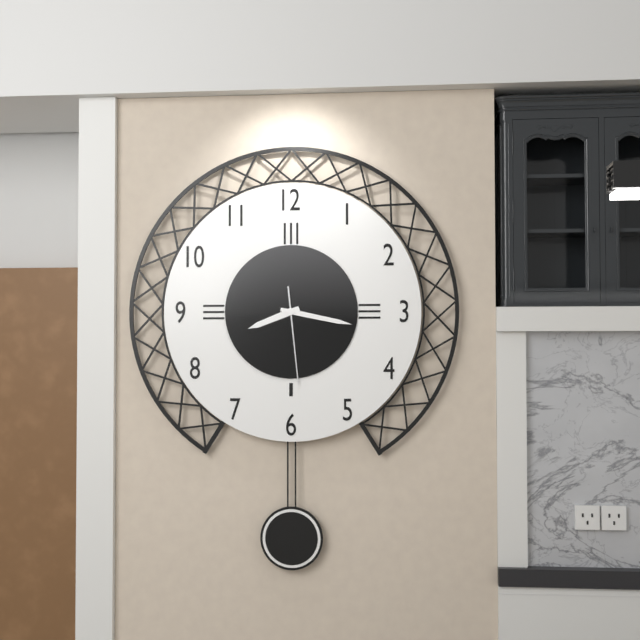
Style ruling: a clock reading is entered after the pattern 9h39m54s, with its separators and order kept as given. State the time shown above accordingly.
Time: 8h17m29s
